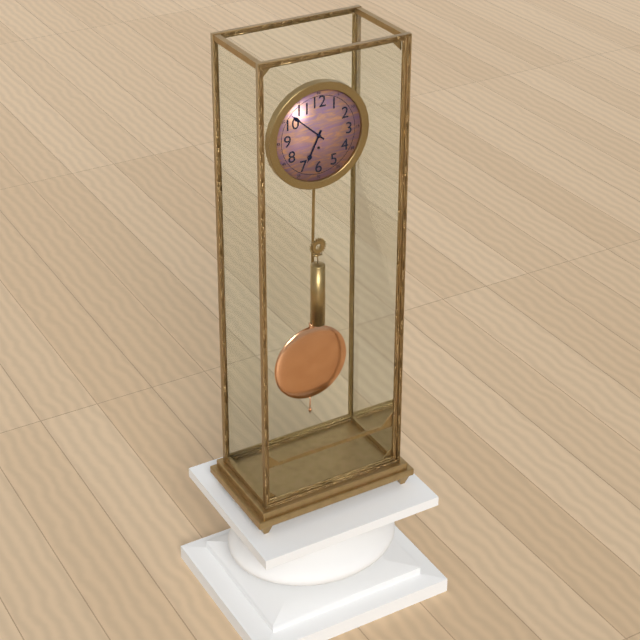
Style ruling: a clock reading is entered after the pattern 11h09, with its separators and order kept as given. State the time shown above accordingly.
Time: 6h52
